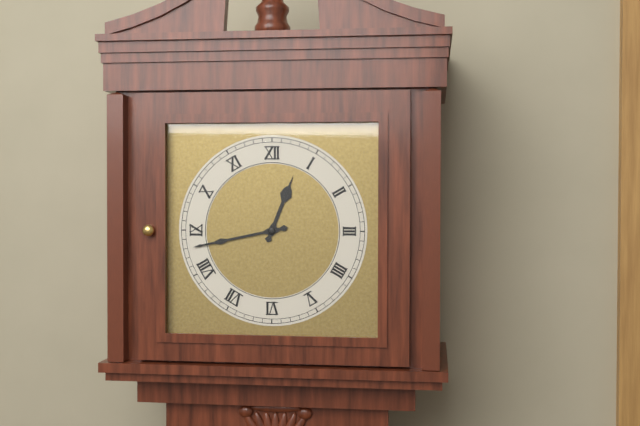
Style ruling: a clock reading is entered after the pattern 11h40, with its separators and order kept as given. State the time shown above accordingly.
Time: 12h43
